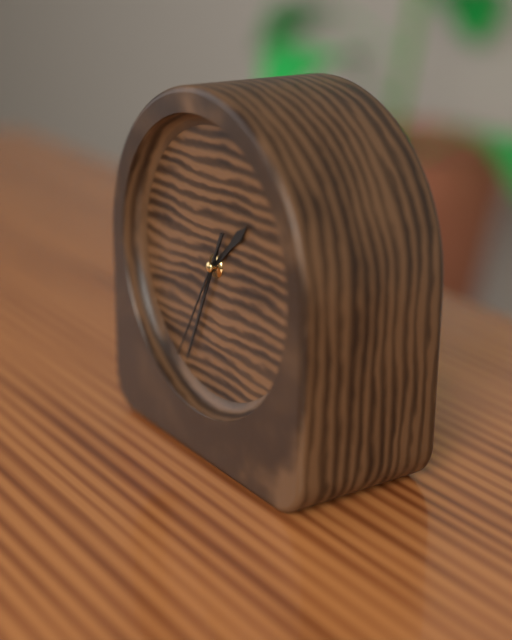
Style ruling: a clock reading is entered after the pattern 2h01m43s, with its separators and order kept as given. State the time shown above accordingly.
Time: 1h34m35s
